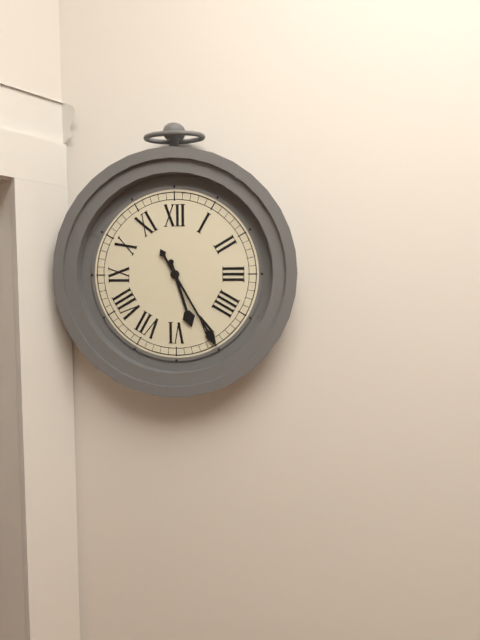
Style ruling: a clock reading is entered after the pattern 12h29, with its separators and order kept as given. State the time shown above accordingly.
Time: 5h25
